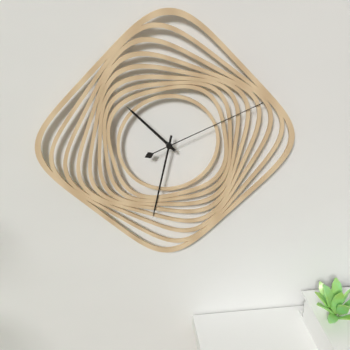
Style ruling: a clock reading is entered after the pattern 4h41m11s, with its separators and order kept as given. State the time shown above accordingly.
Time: 10h32m11s
